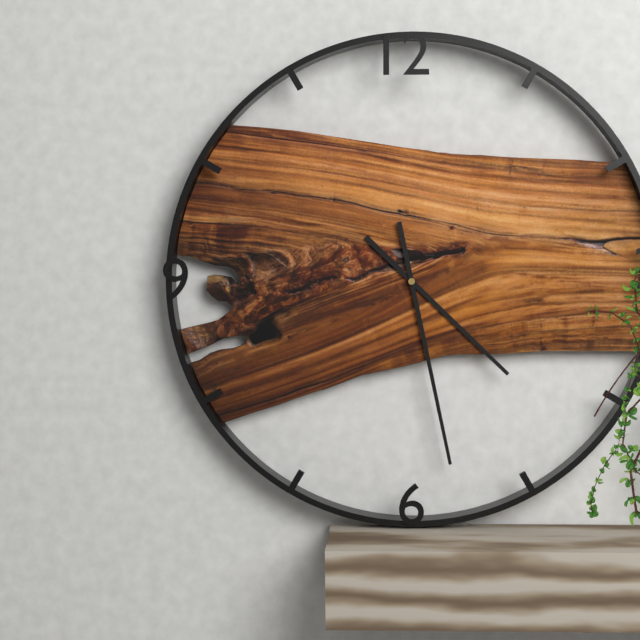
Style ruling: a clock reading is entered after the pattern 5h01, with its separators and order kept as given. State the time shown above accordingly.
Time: 4h28
